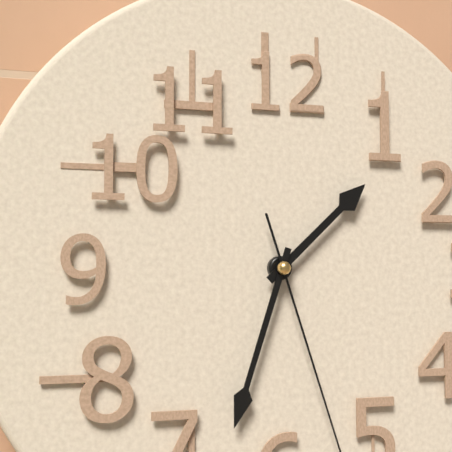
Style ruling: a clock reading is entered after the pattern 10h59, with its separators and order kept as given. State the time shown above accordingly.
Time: 1h33
